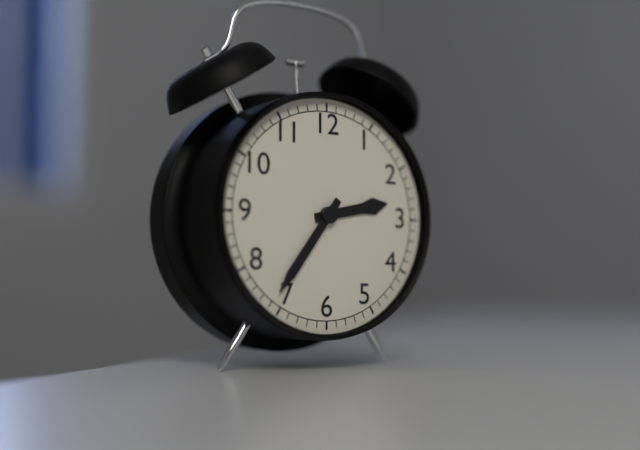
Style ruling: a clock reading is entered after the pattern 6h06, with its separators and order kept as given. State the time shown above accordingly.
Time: 2h36
